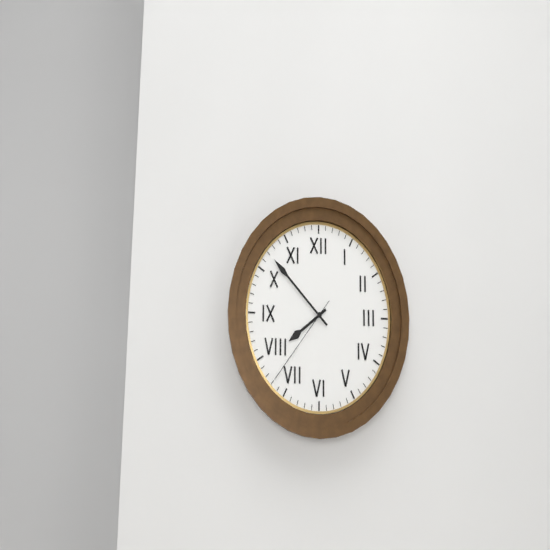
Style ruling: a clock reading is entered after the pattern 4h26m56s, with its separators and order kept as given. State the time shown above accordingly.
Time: 7h52m37s
